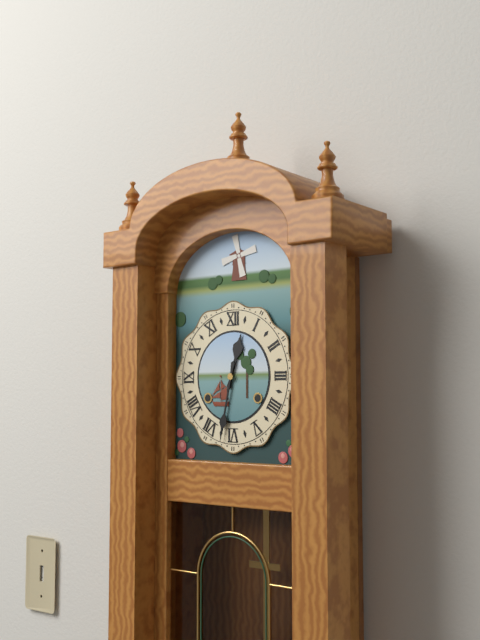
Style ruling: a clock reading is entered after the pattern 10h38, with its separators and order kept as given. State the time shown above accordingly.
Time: 12h32
